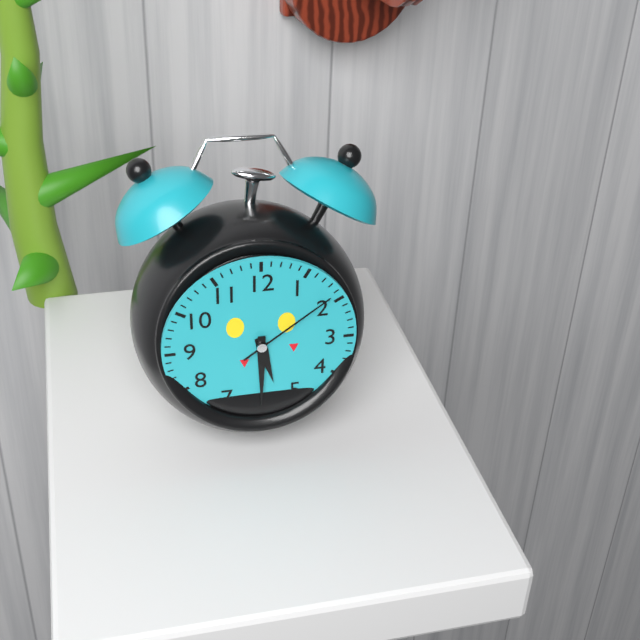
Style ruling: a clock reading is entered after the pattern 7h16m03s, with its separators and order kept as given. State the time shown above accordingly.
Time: 5h30m09s
